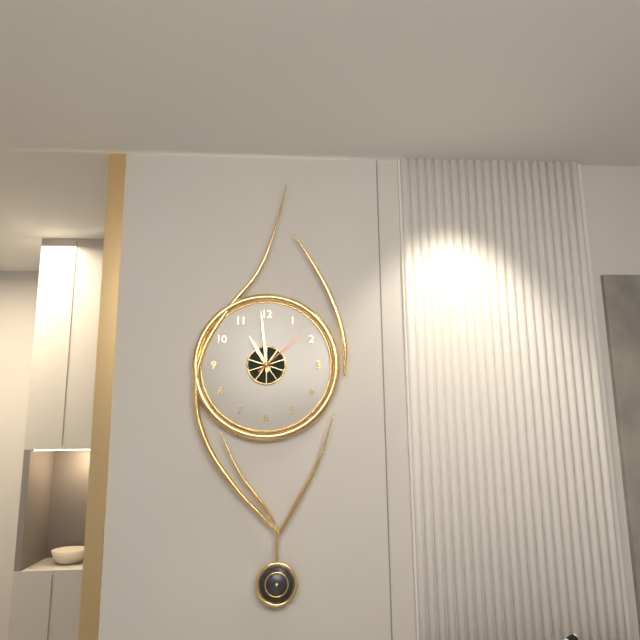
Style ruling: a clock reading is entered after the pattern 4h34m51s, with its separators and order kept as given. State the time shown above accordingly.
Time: 10h59m08s
